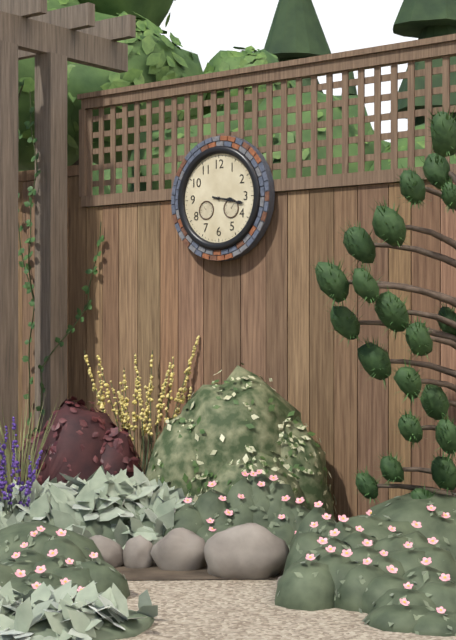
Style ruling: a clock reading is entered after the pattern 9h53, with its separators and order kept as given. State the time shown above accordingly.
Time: 3h17
